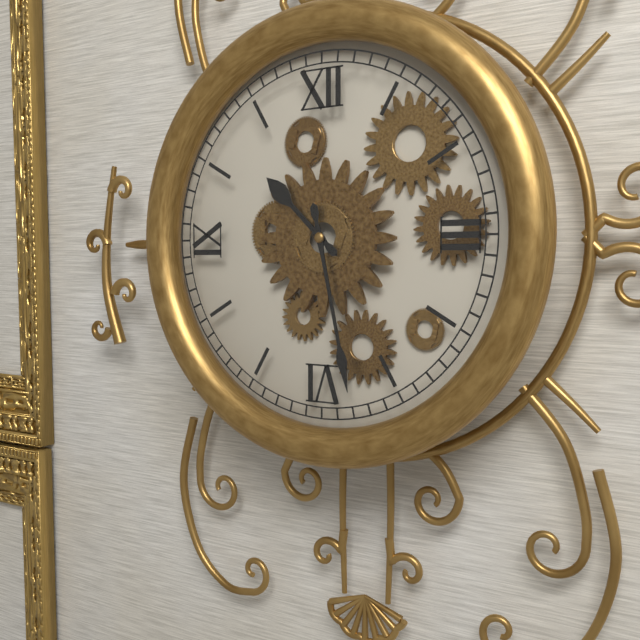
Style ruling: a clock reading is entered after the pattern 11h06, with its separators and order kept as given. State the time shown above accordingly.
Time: 10h28
